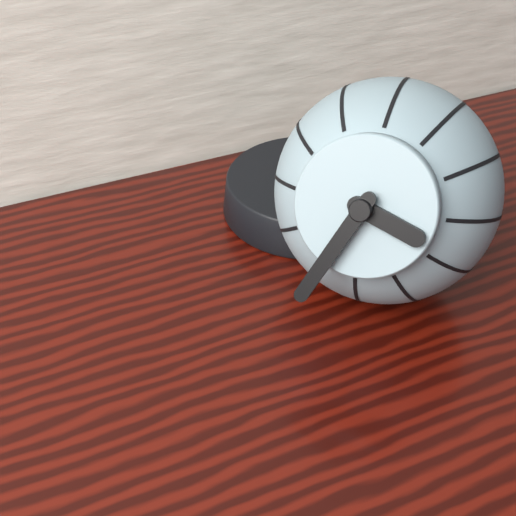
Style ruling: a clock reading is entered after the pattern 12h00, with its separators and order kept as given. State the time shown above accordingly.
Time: 3h34
